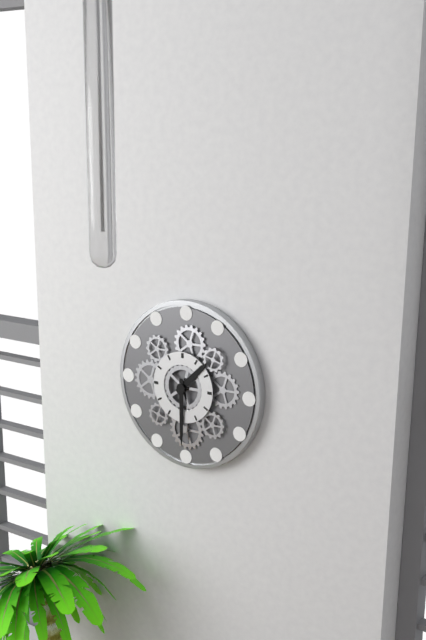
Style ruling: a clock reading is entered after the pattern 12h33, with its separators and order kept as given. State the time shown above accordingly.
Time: 1h30
